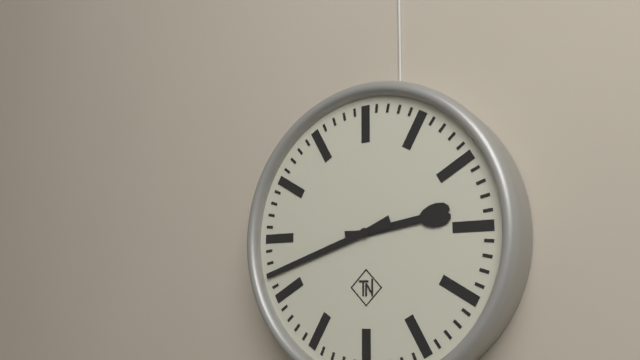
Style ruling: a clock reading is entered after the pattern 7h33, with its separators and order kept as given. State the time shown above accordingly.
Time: 2h42
